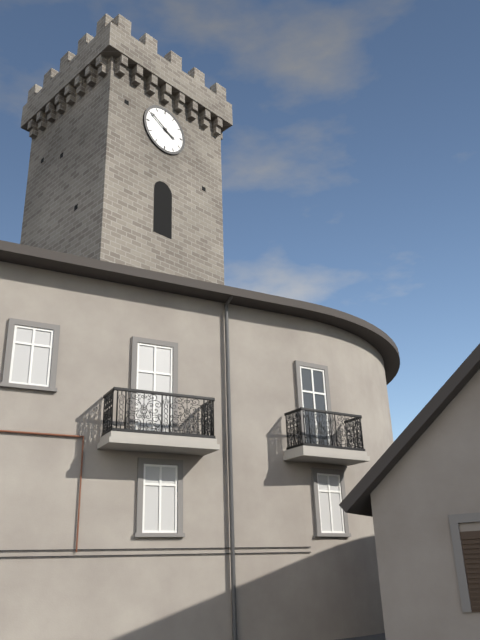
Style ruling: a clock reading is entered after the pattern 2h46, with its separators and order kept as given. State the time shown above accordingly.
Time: 3h50
